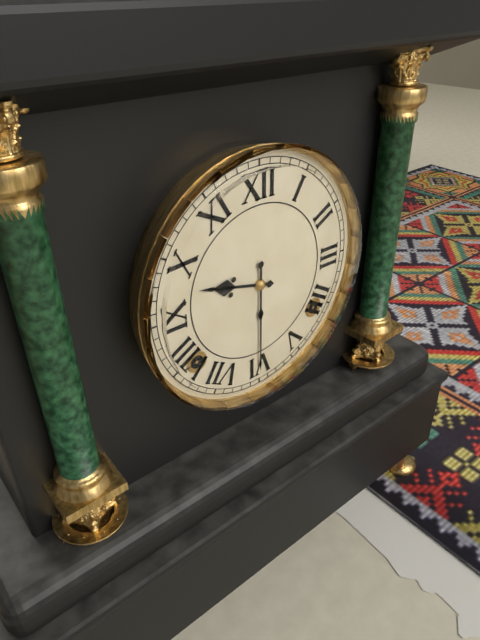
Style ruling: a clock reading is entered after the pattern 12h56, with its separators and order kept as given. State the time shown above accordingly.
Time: 9h30
